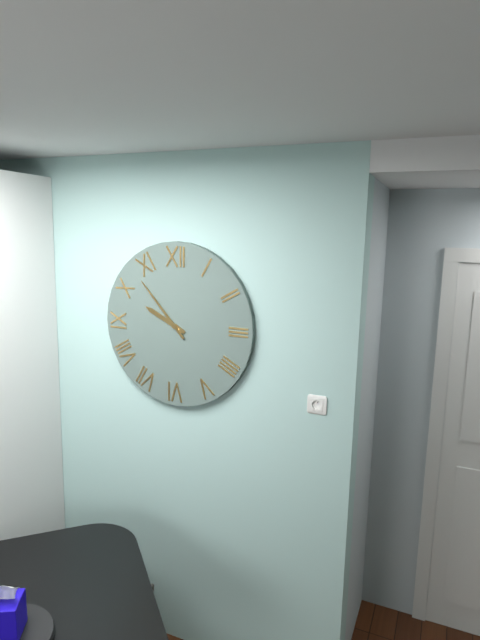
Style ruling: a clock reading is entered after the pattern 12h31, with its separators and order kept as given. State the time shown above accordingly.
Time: 9h53
